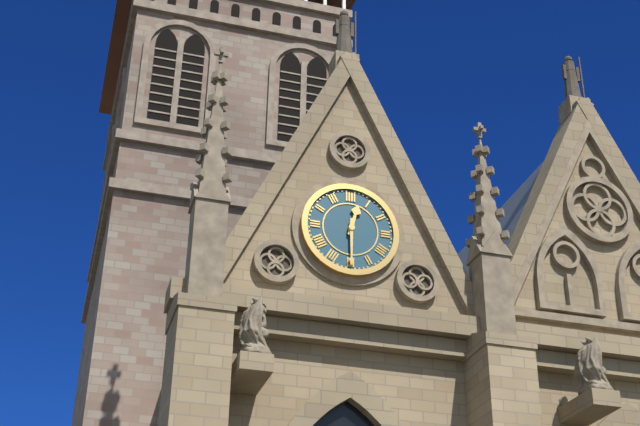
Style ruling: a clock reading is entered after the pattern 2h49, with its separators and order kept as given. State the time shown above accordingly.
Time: 12h30
